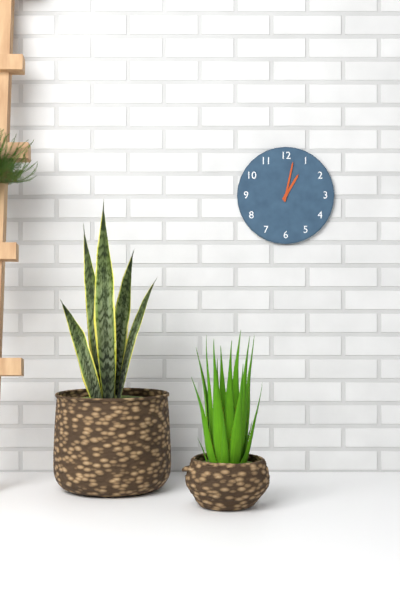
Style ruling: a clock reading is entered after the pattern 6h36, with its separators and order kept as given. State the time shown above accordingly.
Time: 1h02
